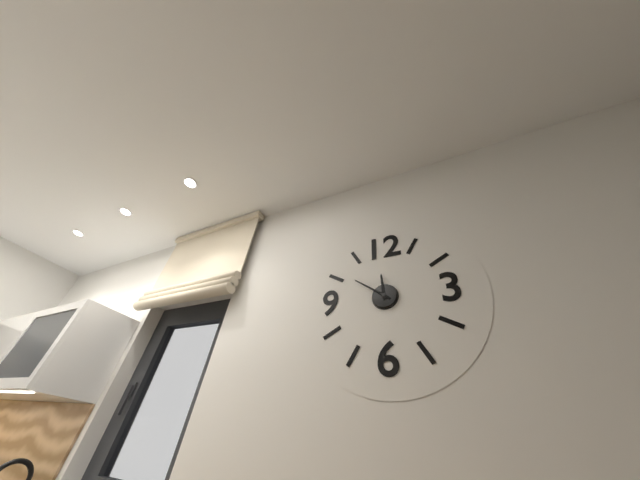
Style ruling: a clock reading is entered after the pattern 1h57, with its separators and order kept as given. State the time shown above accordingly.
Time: 11h51
